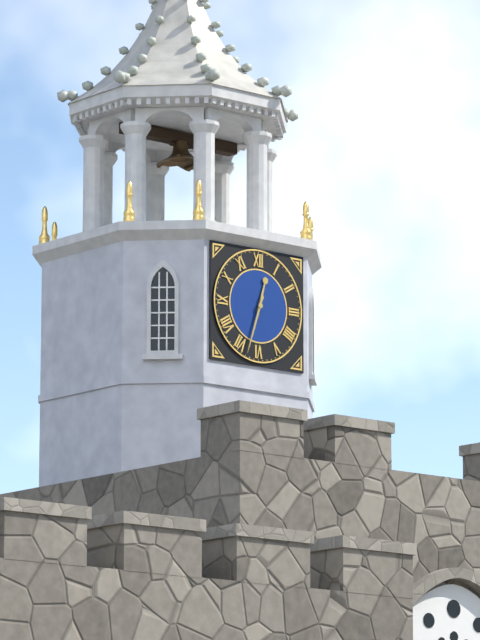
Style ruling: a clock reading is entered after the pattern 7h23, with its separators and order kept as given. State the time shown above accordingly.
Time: 12h33
